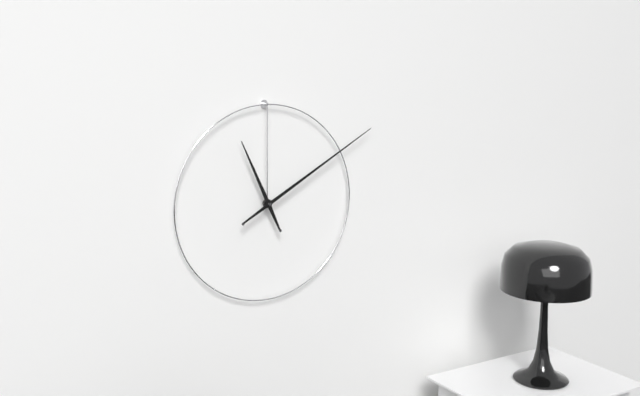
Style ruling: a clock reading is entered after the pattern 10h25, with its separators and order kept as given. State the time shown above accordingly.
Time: 11h10
